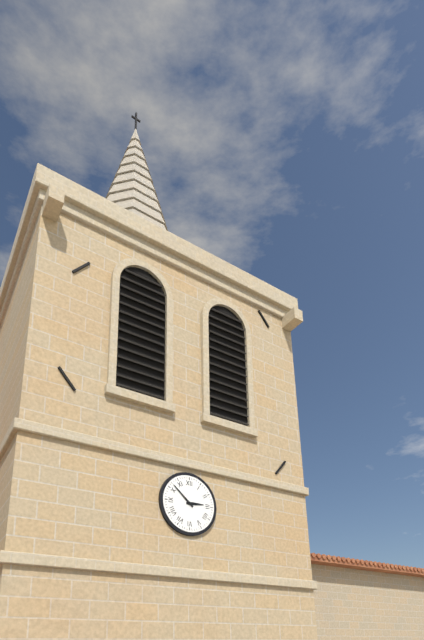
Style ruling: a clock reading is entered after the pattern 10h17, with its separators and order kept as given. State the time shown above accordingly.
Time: 2h52
